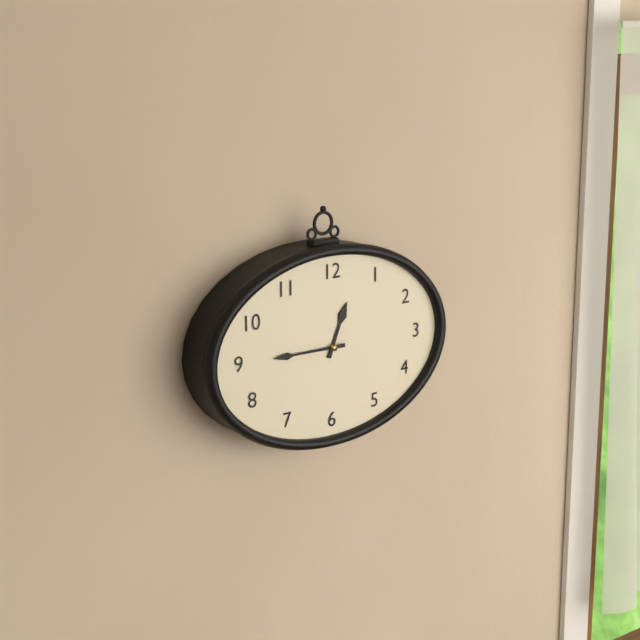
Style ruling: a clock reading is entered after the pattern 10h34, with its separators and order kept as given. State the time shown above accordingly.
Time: 12h45
